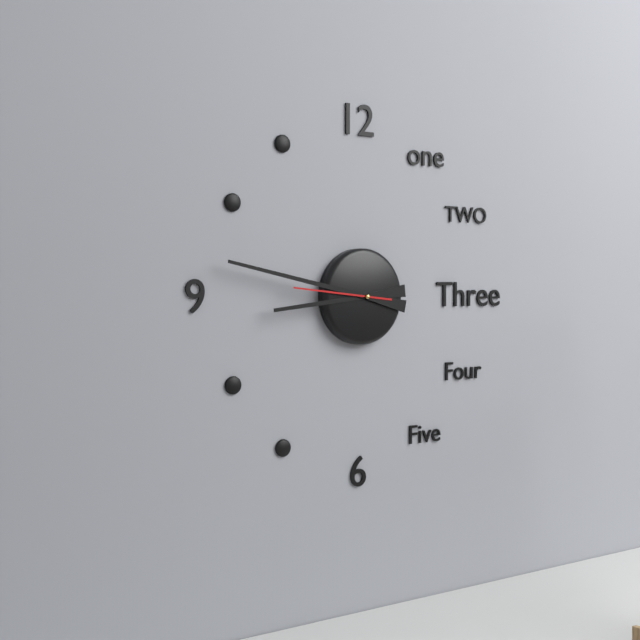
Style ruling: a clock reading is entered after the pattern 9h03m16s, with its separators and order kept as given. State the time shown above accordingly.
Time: 8h47m46s
